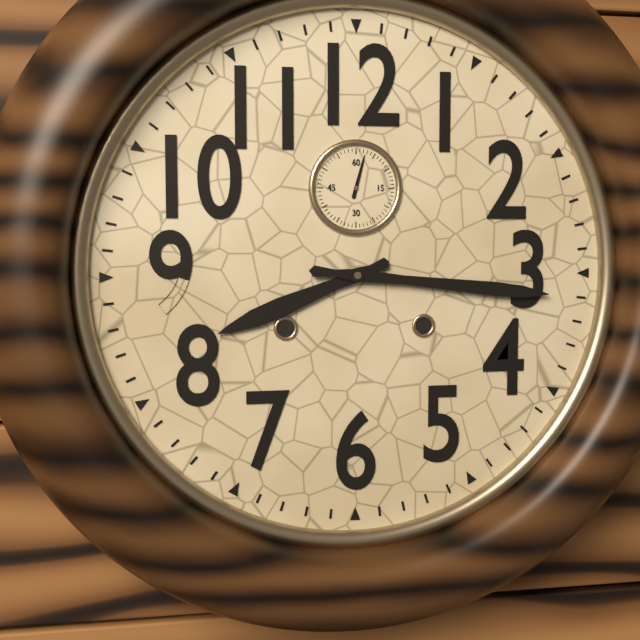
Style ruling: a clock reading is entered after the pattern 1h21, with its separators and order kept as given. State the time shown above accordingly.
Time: 8h16
